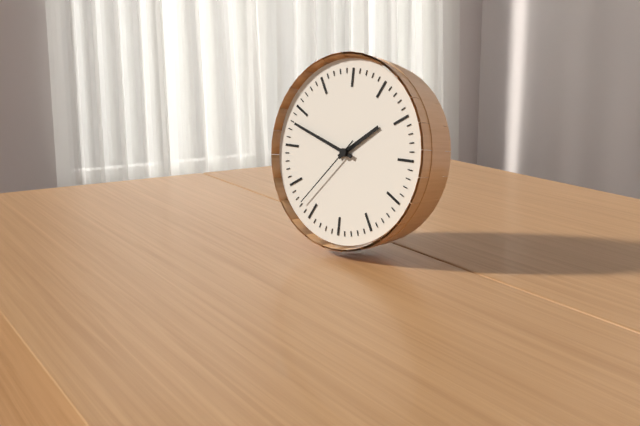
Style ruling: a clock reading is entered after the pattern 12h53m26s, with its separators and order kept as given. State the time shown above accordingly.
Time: 1h48m37s
